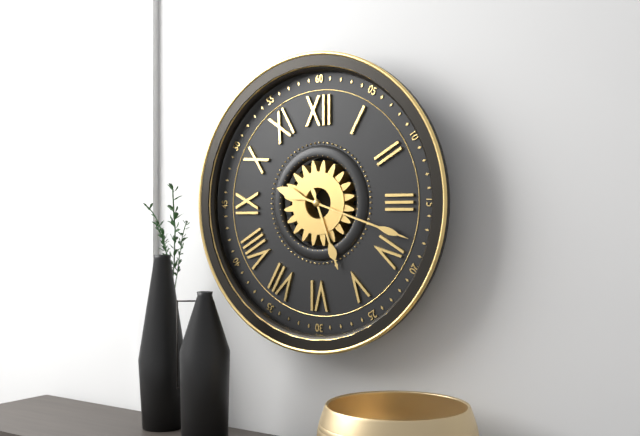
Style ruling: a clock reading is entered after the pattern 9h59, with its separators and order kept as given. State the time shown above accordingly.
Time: 5h18
